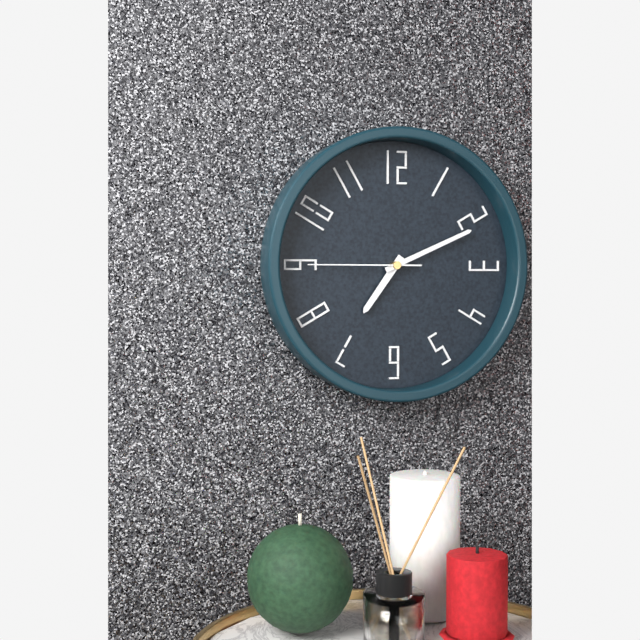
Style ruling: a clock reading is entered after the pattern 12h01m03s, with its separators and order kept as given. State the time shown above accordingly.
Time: 7h11m45s
